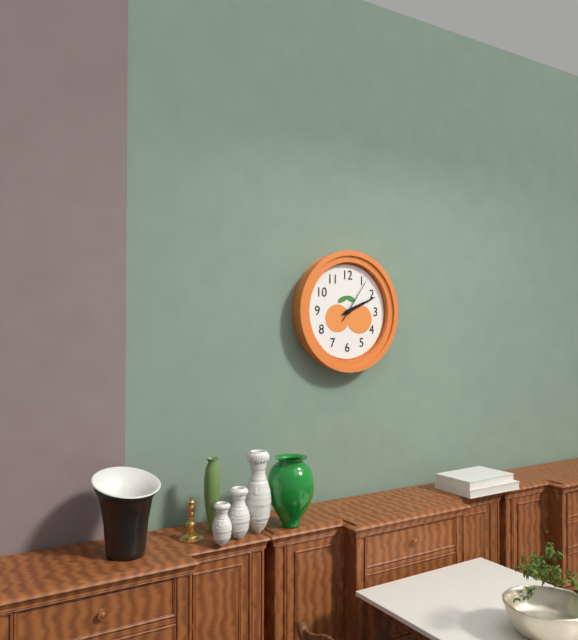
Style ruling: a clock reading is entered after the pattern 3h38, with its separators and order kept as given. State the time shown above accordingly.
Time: 2h11
